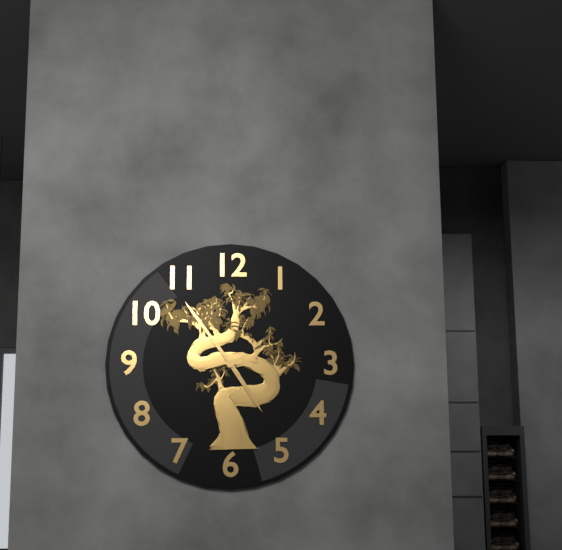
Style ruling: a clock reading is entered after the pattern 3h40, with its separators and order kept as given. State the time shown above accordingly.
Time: 4h54
